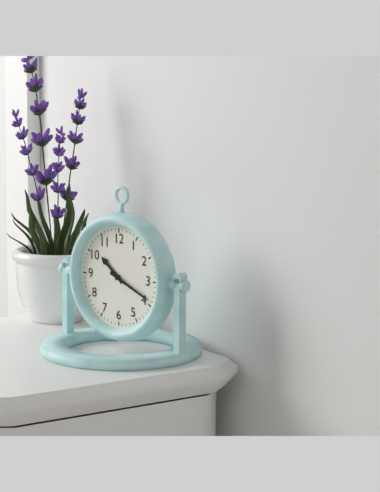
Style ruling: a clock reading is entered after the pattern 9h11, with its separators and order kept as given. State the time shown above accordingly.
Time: 10h19
